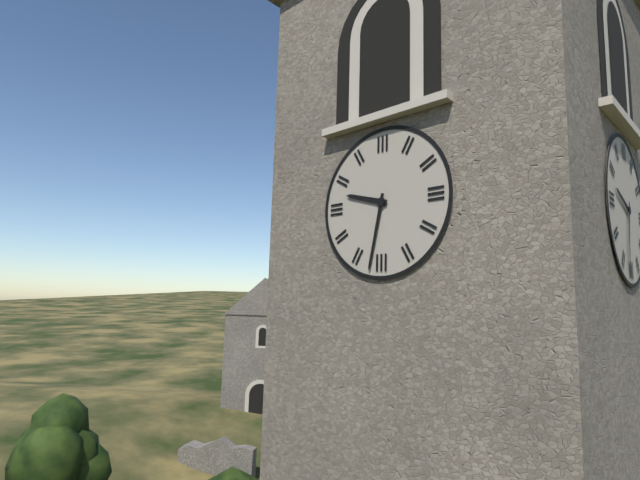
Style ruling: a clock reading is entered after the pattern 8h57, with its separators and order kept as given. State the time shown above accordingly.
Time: 9h32
